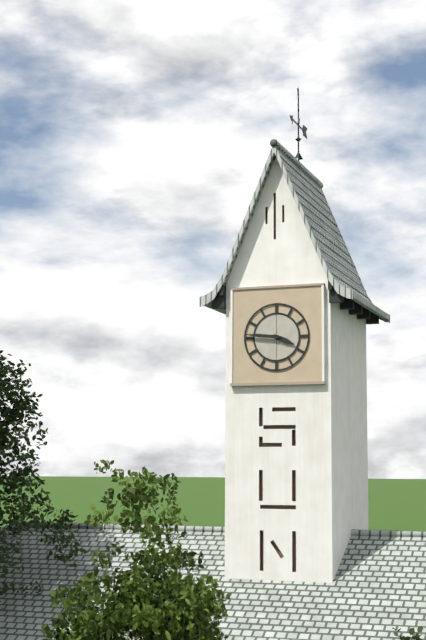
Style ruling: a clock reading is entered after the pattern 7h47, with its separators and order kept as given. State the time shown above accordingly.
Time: 3h46
